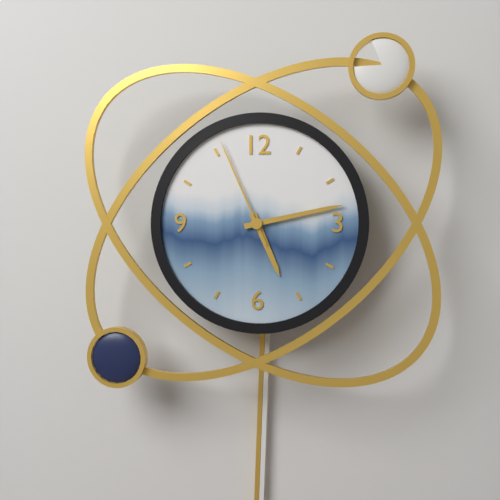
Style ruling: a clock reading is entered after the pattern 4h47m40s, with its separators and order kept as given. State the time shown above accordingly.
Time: 5h13m56s
